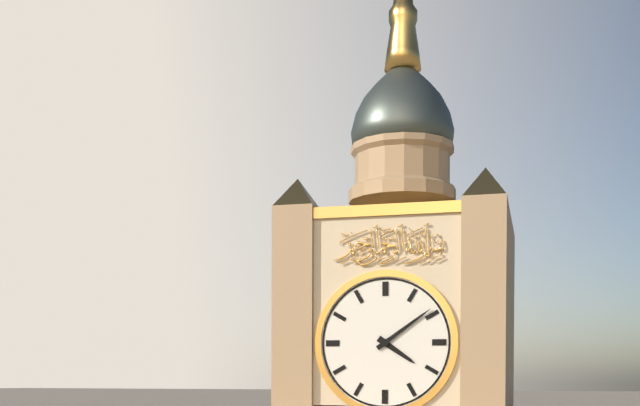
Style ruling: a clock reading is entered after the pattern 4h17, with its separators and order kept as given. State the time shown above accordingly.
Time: 4h09
